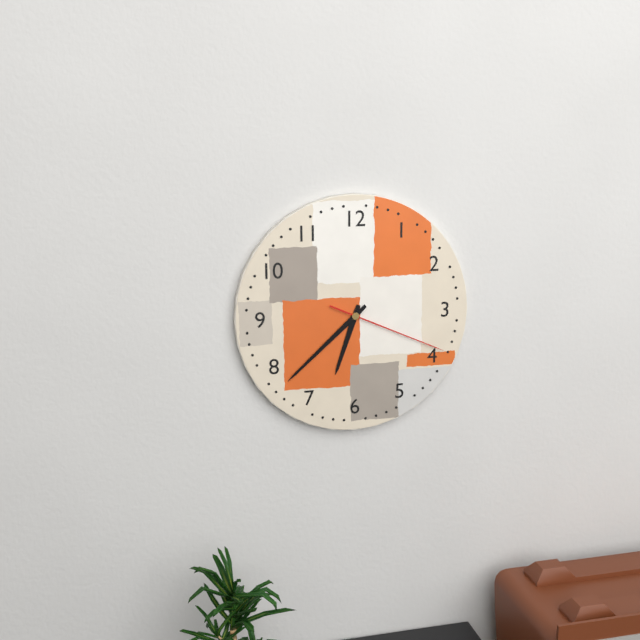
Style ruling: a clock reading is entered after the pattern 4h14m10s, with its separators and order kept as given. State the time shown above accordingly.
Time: 6h38m19s
